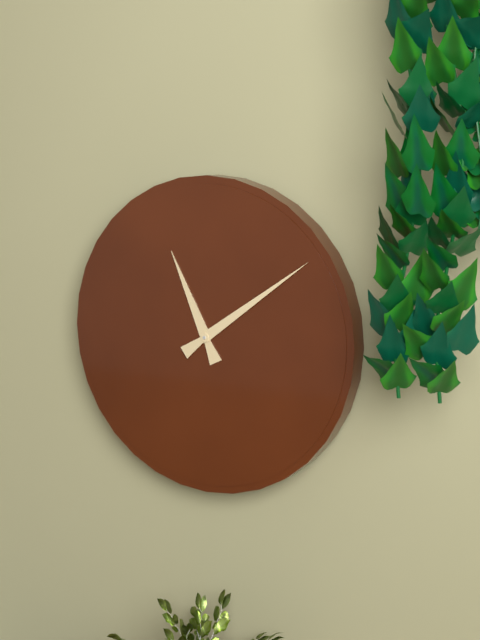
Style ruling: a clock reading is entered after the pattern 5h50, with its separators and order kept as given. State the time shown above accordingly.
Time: 11h09
